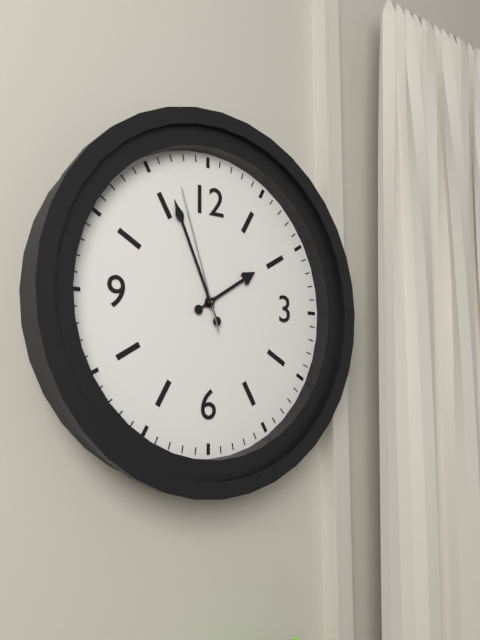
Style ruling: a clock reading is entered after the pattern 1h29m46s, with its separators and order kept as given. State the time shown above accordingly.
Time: 1h56m57s
